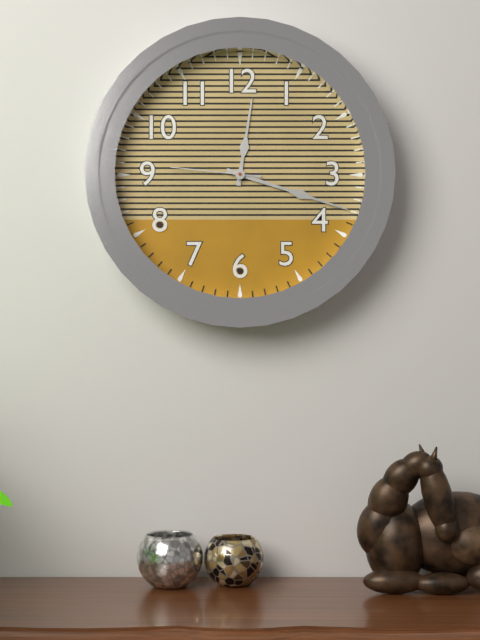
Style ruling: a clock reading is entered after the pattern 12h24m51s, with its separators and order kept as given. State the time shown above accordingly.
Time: 12h18m46s
